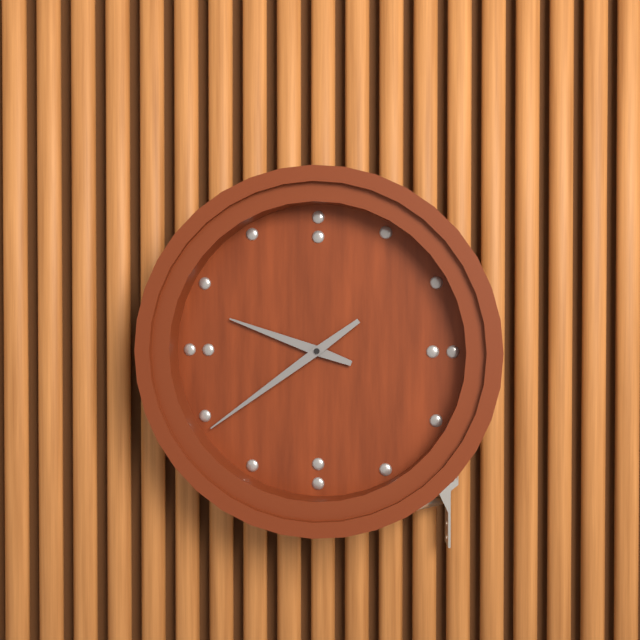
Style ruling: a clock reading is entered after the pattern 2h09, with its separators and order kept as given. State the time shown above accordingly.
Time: 9h39
